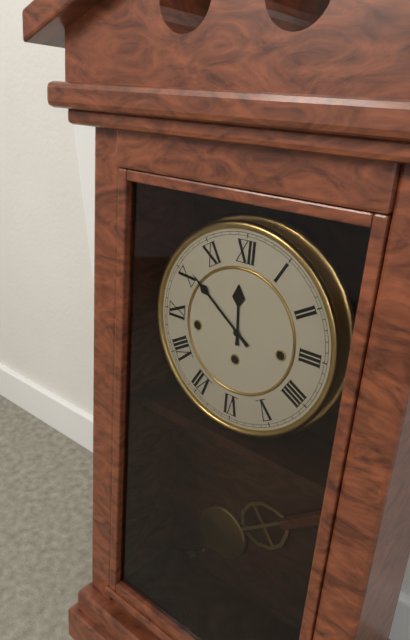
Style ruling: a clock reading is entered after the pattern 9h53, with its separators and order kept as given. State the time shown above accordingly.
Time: 11h51
